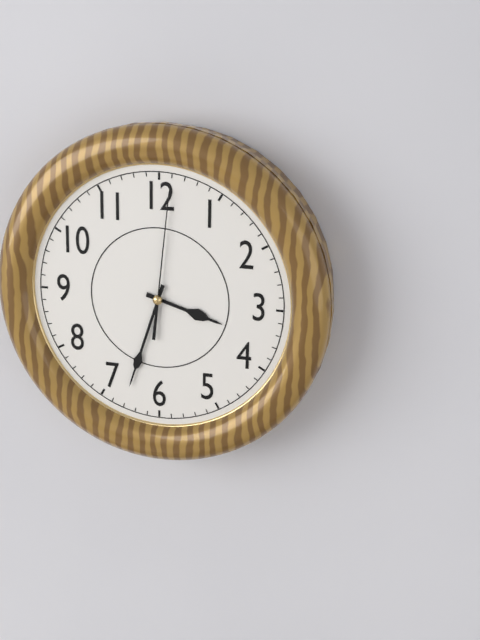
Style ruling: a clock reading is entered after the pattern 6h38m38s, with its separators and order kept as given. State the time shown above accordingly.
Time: 3h33m01s
